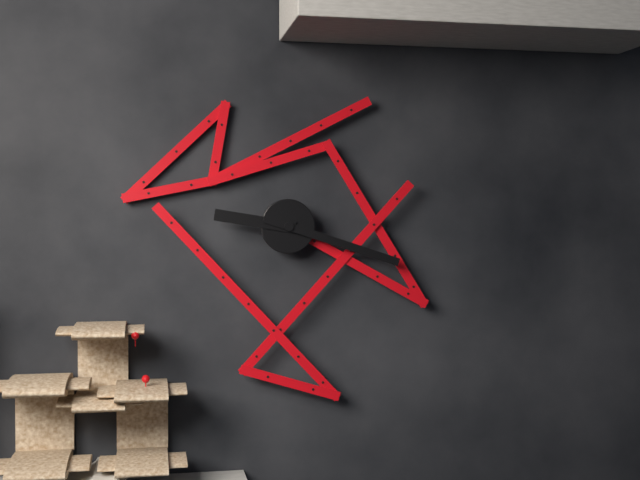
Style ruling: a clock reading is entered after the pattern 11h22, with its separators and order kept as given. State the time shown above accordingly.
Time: 9h18
